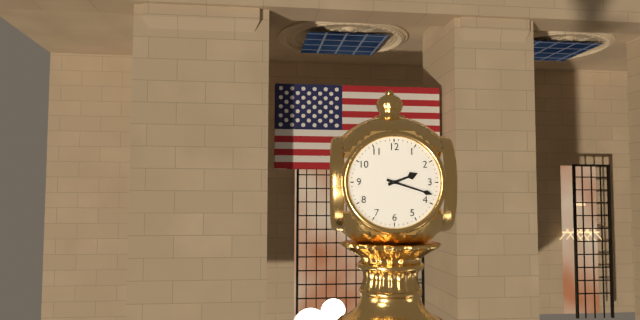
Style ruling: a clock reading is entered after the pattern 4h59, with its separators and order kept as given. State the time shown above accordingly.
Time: 2h18
